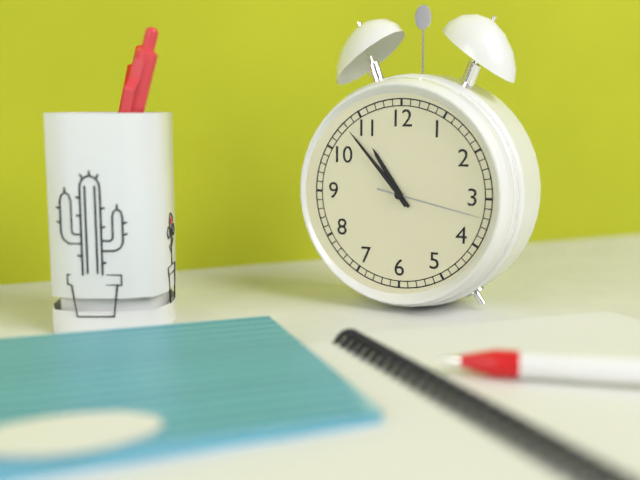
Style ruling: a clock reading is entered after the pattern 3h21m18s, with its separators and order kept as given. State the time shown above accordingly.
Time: 10h53m17s
